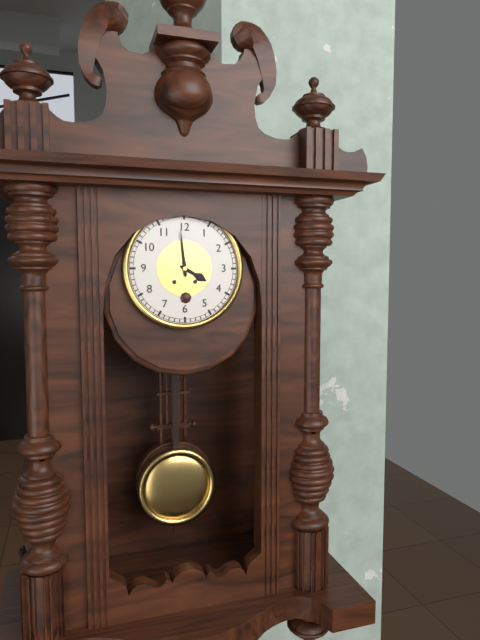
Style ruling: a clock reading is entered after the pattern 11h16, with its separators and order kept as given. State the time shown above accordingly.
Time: 3h59
